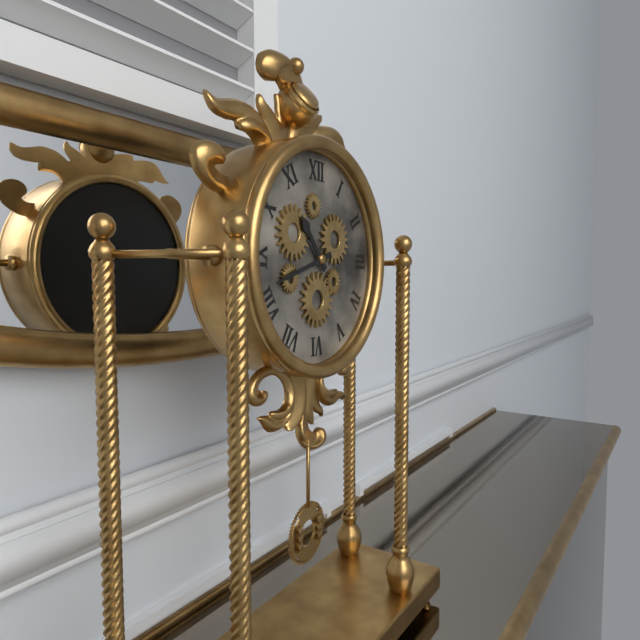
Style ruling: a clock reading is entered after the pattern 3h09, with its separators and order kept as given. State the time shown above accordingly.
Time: 10h42
